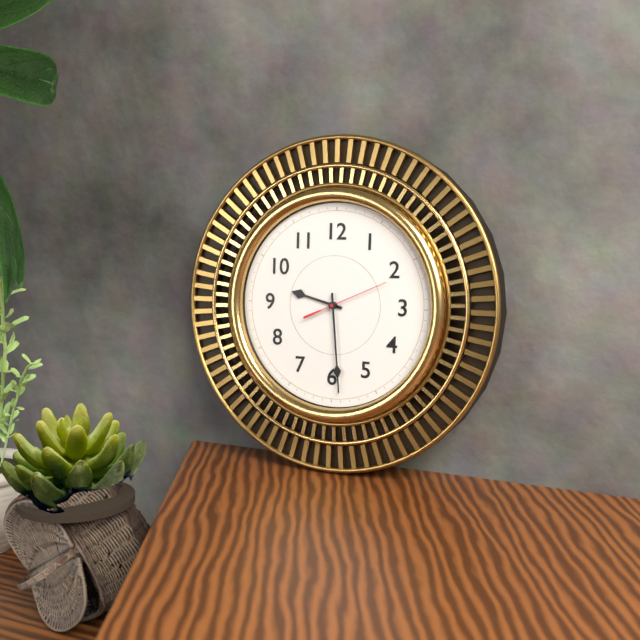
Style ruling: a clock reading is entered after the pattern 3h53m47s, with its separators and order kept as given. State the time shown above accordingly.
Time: 9h29m11s
